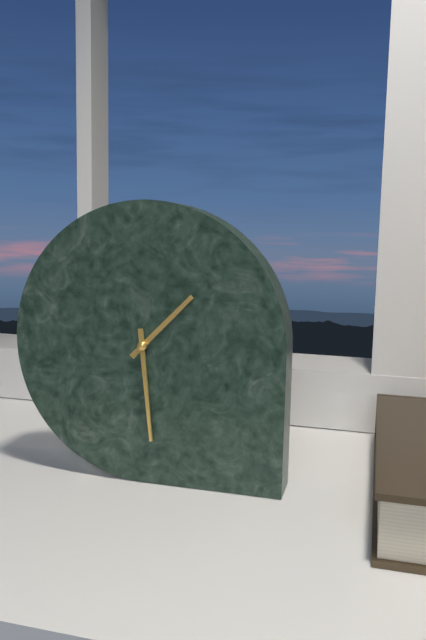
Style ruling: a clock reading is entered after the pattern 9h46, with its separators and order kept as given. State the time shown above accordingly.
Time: 1h29
